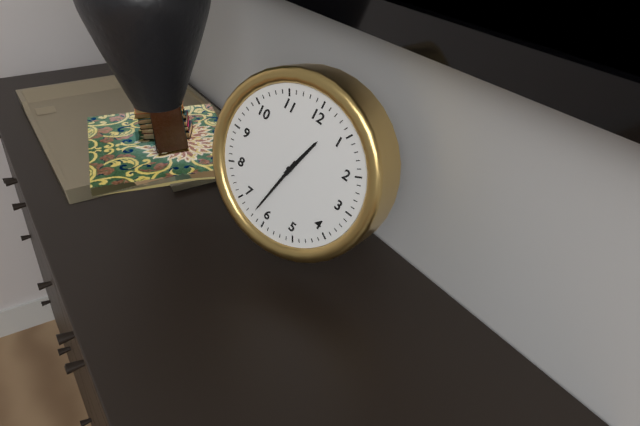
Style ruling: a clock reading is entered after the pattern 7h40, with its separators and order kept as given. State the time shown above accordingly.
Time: 12h32
